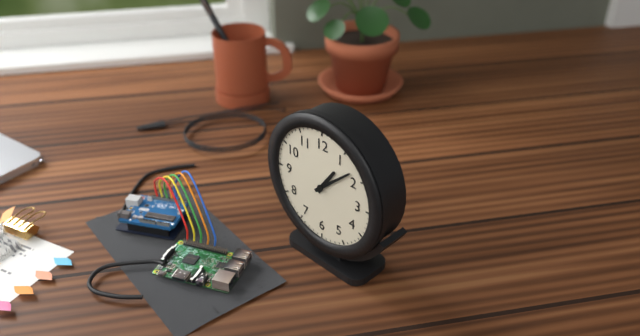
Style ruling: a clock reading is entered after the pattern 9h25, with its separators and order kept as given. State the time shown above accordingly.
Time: 1h08
